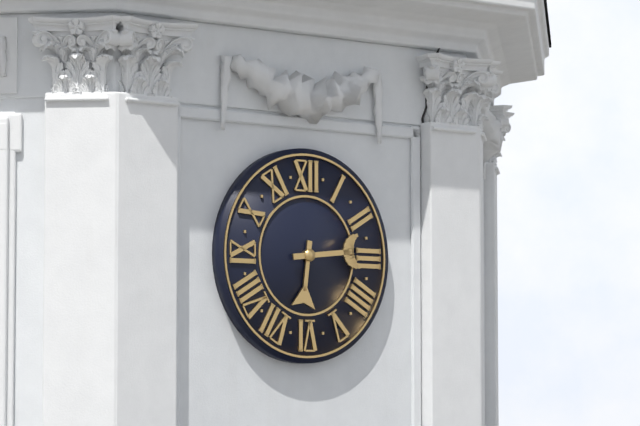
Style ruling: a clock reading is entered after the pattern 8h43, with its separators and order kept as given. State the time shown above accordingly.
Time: 6h14
